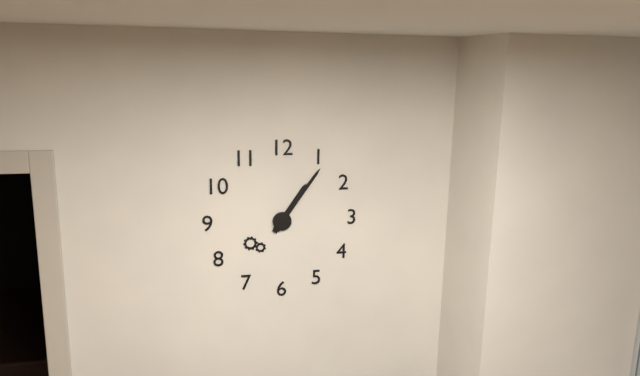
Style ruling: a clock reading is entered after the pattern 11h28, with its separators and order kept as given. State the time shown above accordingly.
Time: 1h06
